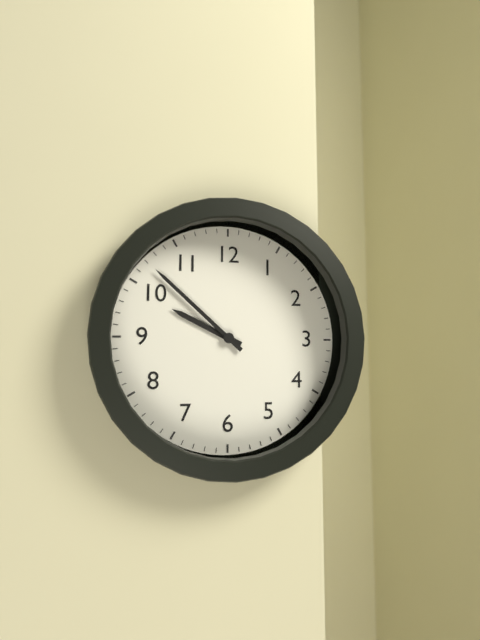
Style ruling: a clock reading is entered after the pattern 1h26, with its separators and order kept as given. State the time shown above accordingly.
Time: 9h52
